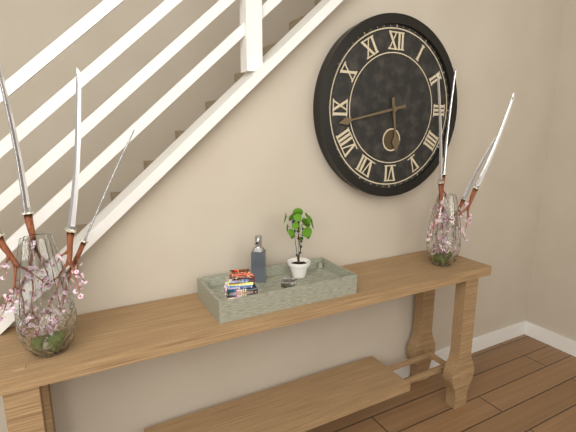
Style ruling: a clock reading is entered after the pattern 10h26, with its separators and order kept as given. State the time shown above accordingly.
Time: 5h43
